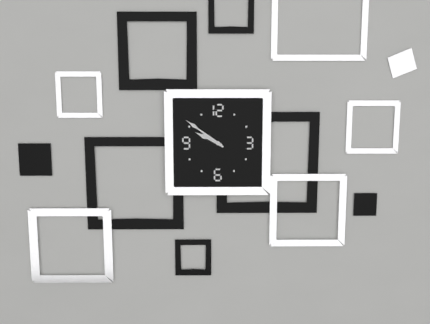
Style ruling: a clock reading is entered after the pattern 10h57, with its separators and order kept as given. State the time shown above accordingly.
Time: 9h51
